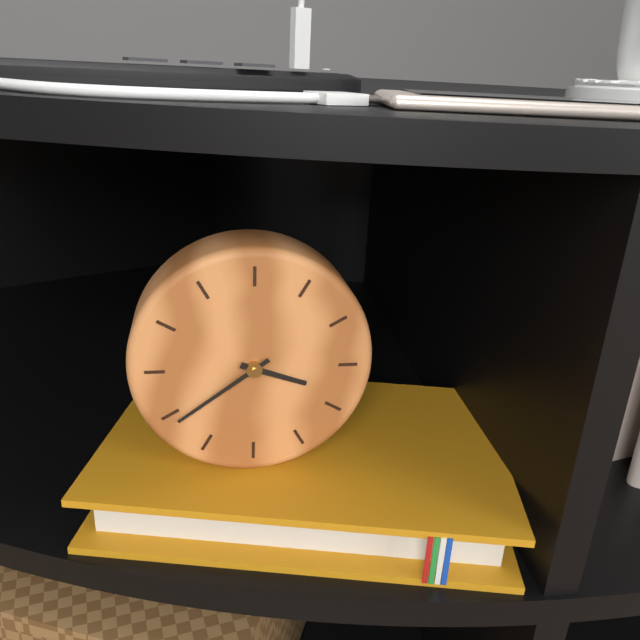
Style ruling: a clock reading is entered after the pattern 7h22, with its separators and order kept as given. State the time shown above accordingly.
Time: 3h39
